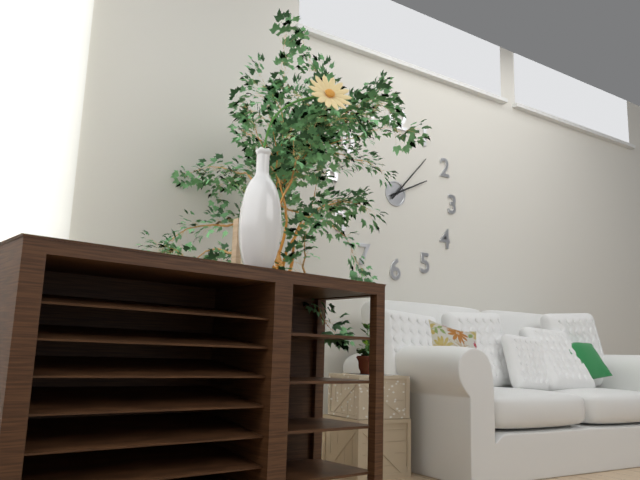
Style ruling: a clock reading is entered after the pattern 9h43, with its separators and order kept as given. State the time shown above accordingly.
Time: 2h07
